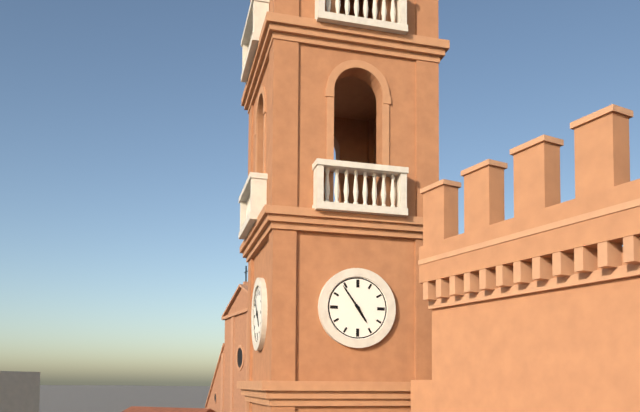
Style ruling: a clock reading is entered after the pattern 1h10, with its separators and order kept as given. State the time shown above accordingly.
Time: 4h54
